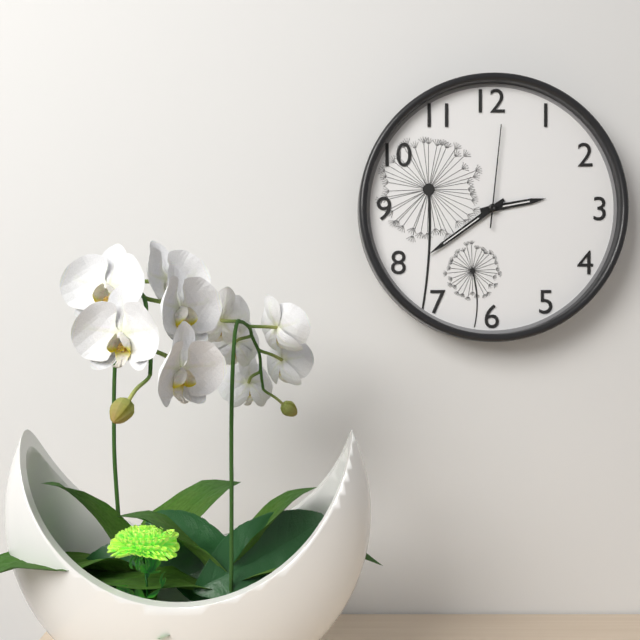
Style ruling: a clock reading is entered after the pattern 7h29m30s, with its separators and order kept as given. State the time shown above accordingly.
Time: 2h39m01s
